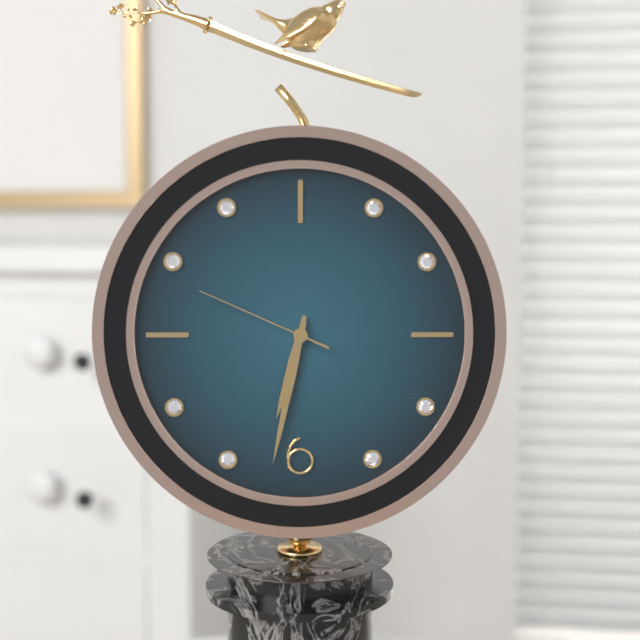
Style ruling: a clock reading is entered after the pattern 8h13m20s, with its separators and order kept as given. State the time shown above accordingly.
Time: 6h32m49s
